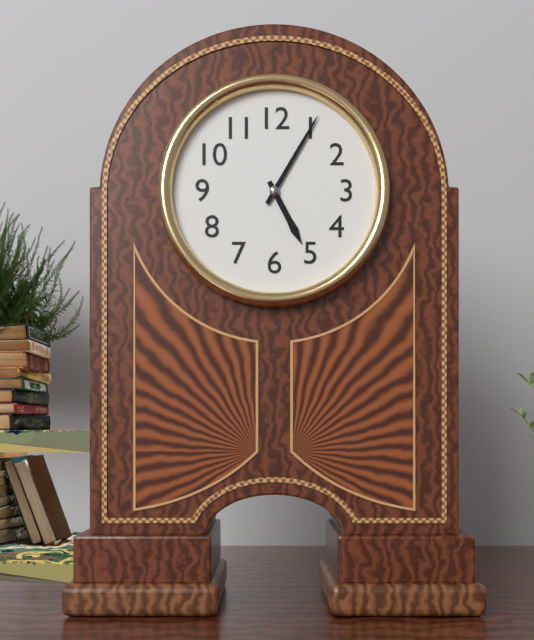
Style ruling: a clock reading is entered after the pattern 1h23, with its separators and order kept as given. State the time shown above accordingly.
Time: 5h05
